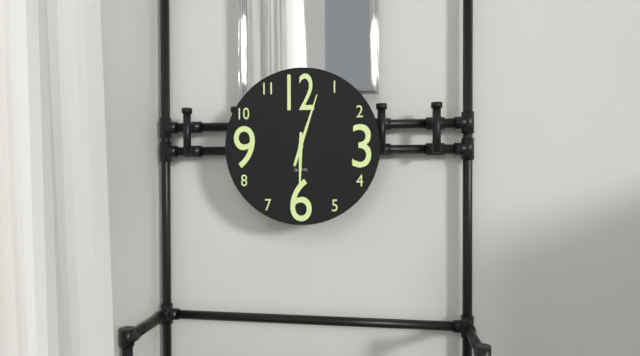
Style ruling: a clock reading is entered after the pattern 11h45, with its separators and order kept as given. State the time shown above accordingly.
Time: 6h03
